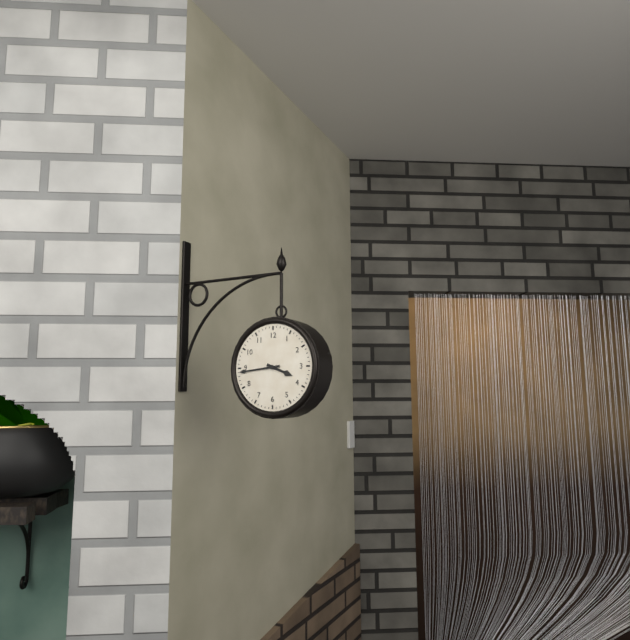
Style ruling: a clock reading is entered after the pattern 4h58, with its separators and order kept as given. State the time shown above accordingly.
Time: 3h44
